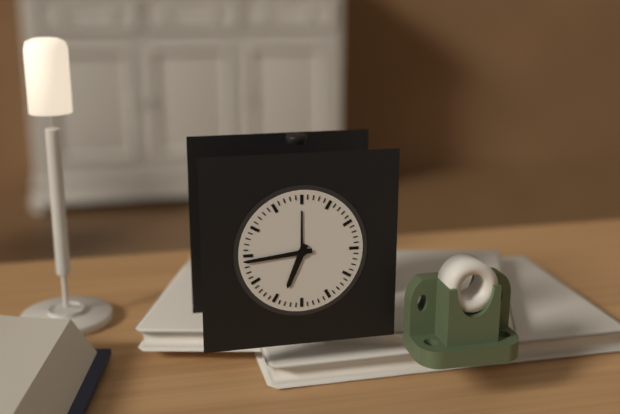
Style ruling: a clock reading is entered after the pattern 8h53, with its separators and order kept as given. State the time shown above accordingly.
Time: 6h44
